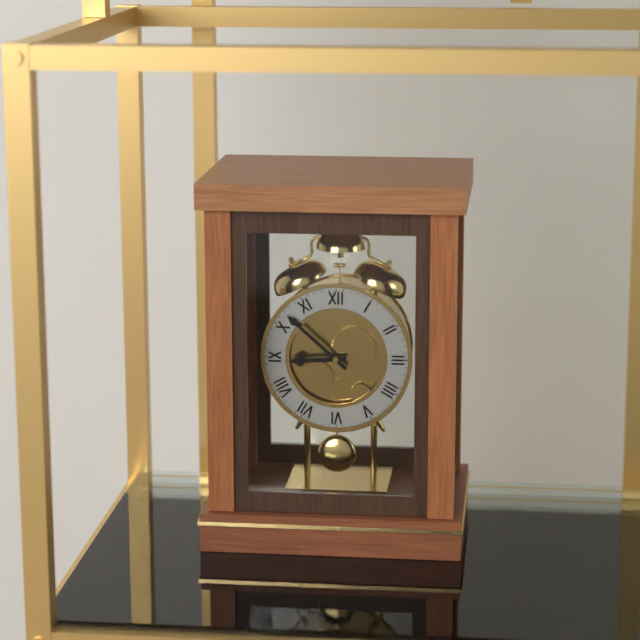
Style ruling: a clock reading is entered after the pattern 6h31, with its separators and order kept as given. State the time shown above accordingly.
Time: 8h52
